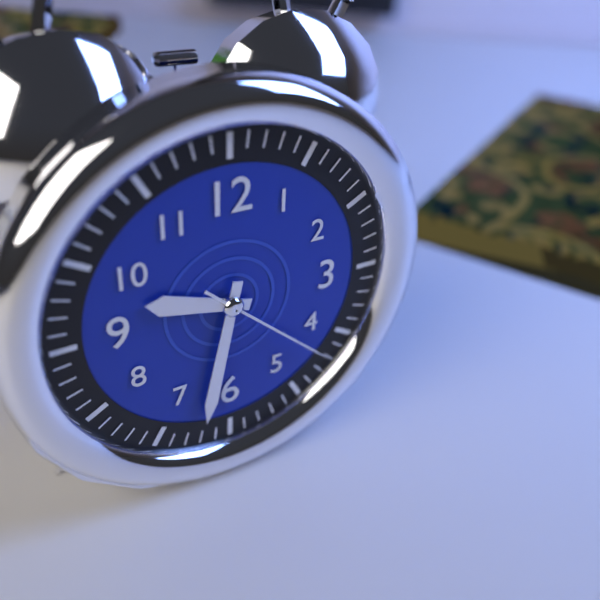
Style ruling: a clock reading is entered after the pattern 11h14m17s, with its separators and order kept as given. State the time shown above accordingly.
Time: 9h32m22s
